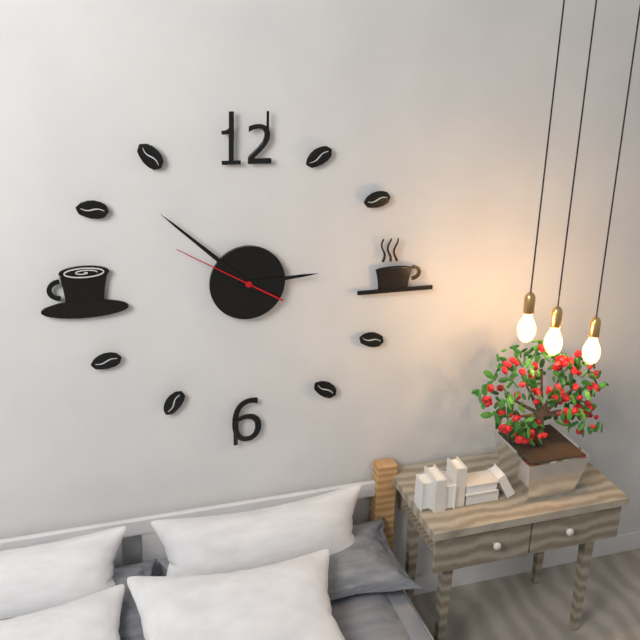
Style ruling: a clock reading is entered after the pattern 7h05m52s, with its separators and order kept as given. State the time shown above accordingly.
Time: 2h52m50s
